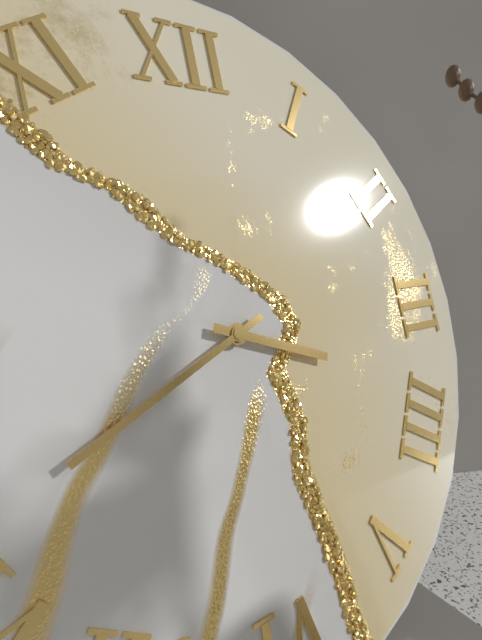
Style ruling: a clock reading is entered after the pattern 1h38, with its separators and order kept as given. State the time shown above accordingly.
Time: 3h41
